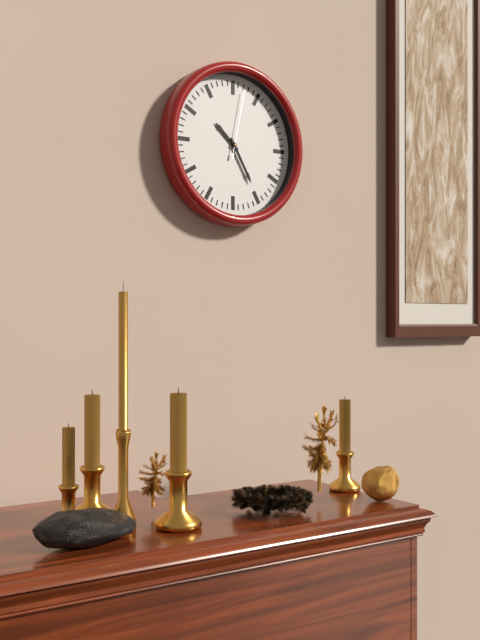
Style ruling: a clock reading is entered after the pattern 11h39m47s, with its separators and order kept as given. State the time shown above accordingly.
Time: 10h25m02s
